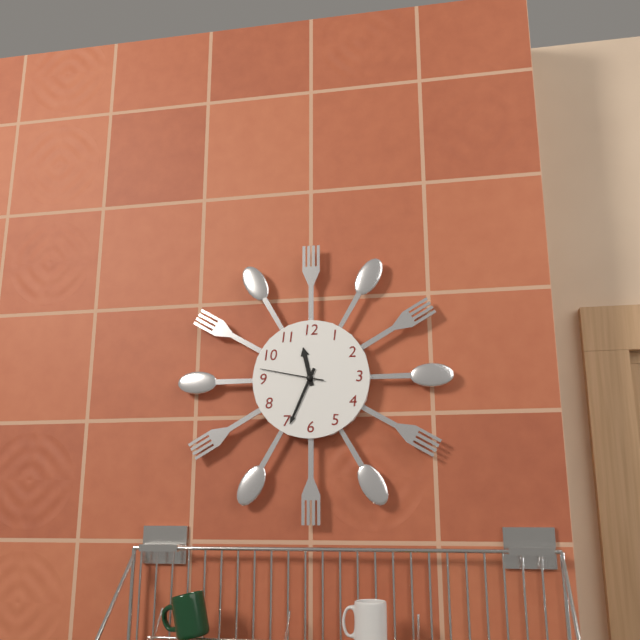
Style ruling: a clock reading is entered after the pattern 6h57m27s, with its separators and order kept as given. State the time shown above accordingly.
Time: 11h34m47s
